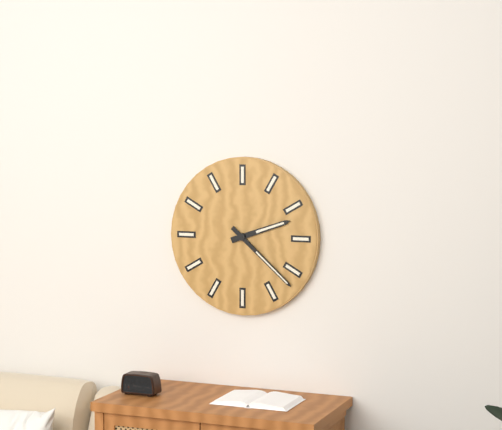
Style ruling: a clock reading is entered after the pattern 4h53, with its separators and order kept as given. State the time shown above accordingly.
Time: 2h22
